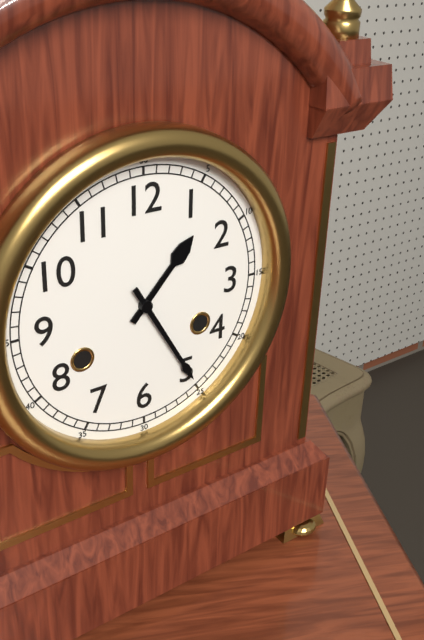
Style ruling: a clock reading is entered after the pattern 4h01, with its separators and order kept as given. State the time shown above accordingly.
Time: 1h25
